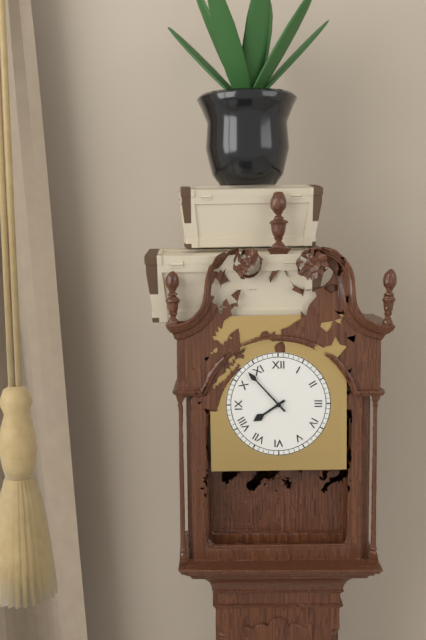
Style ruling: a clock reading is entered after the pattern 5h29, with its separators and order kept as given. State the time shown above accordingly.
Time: 7h53
